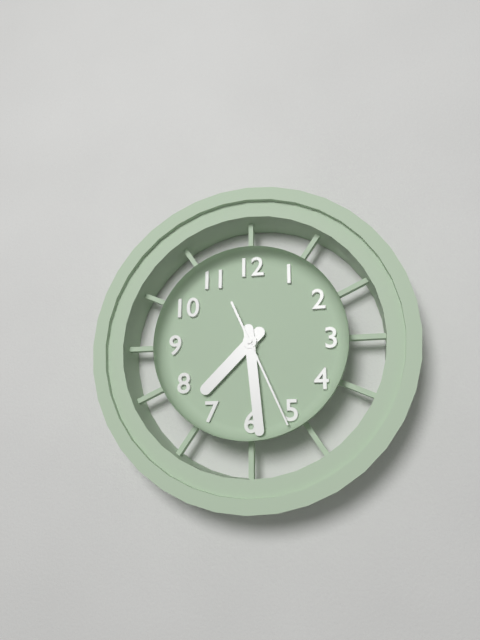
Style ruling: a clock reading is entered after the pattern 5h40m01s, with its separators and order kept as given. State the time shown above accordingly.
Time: 7h29m26s
